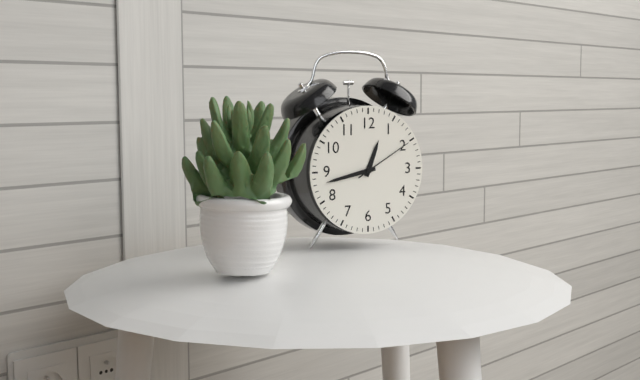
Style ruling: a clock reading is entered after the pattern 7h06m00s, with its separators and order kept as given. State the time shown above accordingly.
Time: 12h43m10s
